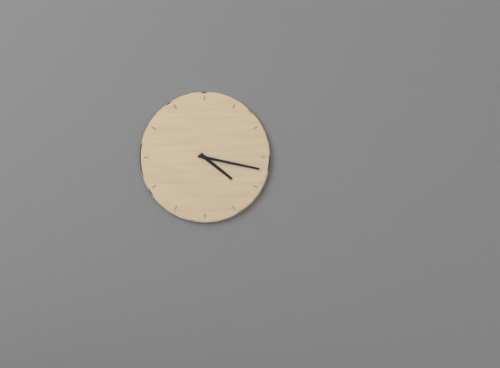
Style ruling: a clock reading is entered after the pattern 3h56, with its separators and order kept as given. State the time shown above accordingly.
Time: 4h17
